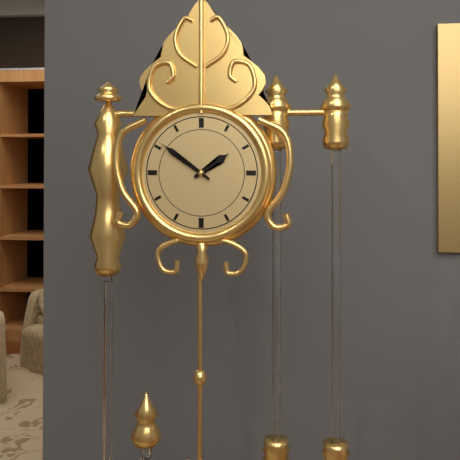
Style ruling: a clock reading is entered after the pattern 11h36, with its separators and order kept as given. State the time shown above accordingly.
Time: 1h51
